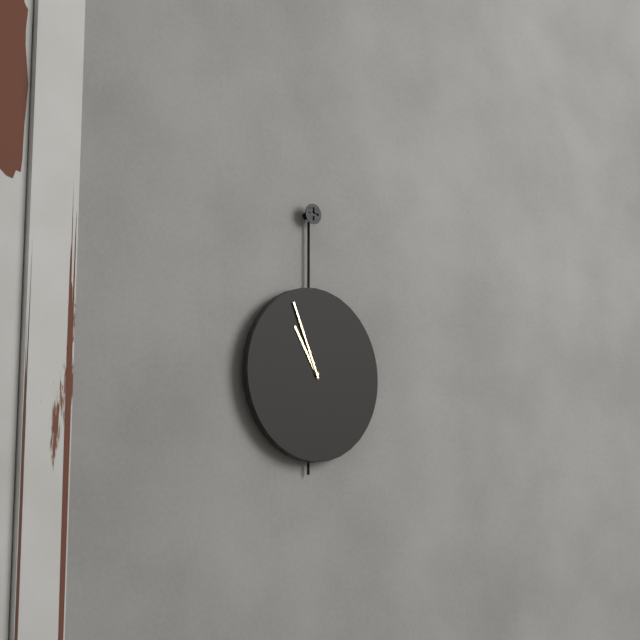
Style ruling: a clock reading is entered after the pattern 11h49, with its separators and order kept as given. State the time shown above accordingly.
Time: 10h56
